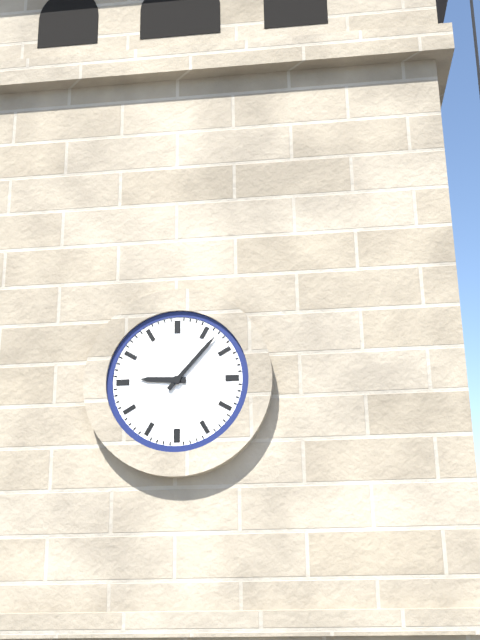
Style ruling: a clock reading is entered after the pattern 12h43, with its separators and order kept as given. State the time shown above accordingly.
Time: 9h07
